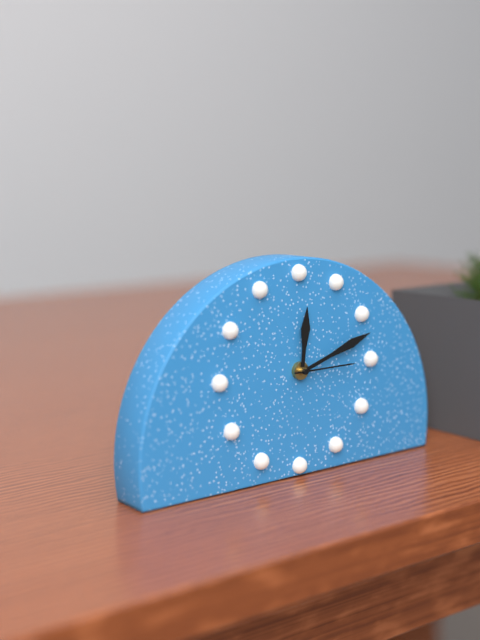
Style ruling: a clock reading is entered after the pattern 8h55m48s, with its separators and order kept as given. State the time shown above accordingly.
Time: 12h12m15s
